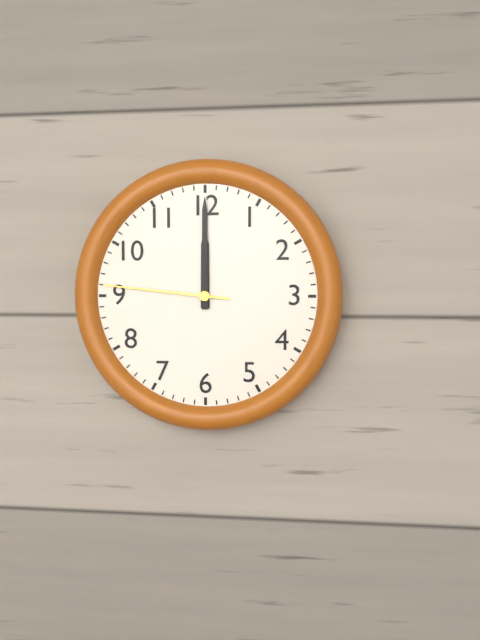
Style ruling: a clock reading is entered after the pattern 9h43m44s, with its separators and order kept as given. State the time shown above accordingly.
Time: 12h00m46s
